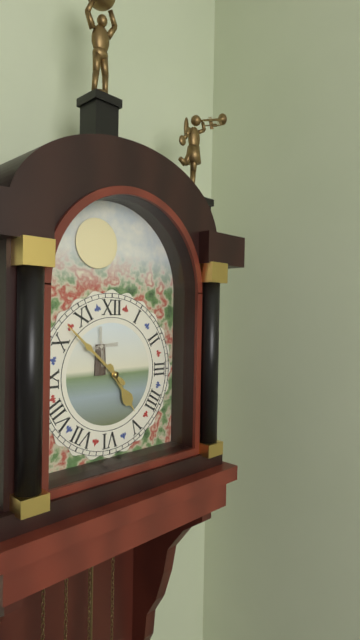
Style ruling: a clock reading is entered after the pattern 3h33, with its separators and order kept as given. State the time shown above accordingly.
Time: 4h52
